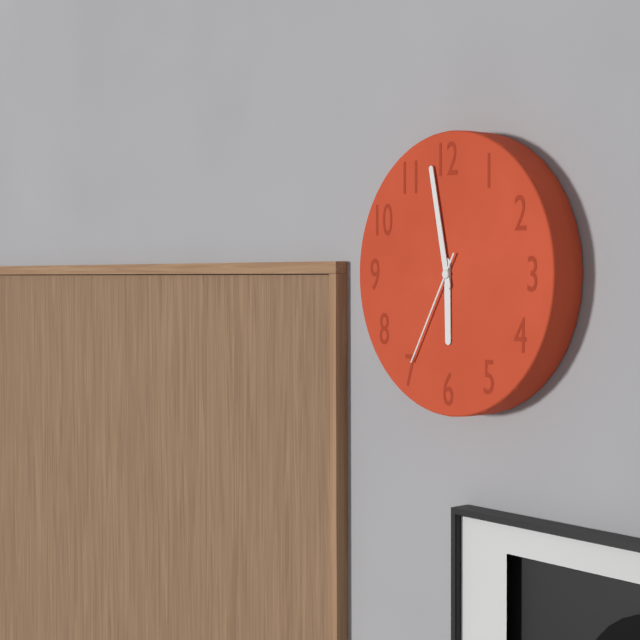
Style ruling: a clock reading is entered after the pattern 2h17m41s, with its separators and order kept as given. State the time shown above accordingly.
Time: 5h58m35s
